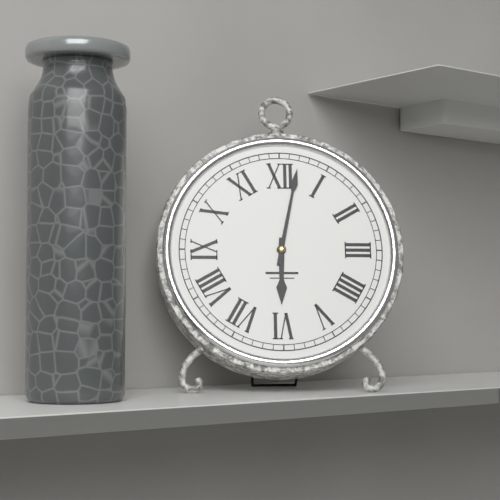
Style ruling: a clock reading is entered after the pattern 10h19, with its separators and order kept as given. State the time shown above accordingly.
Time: 6h02
